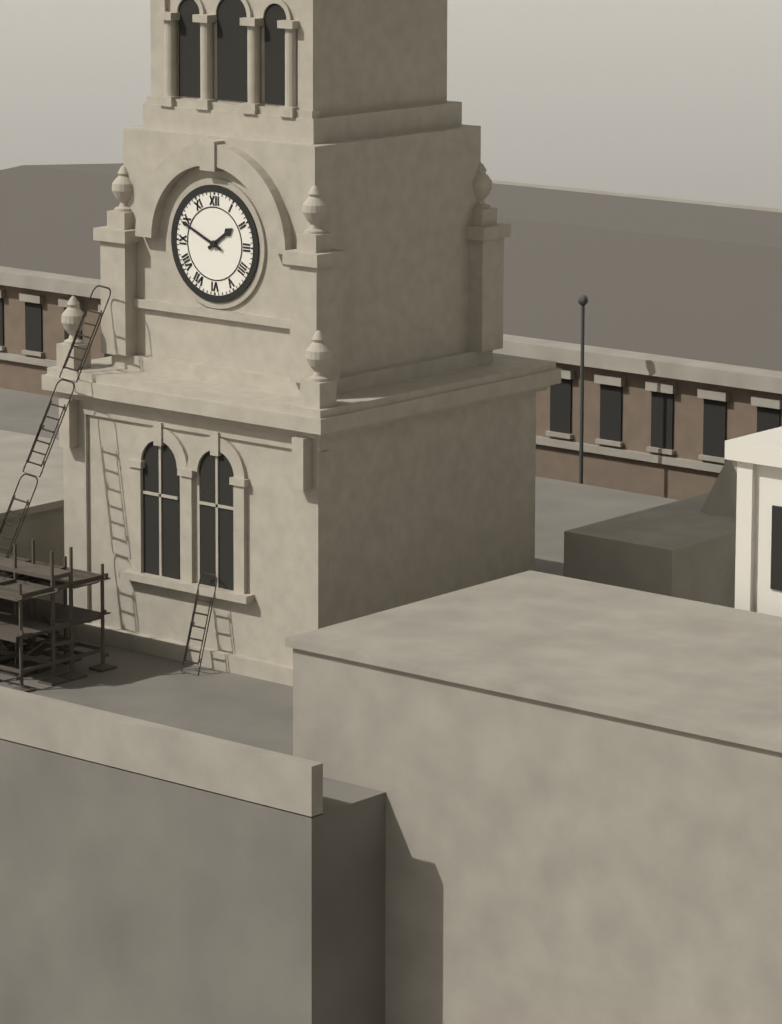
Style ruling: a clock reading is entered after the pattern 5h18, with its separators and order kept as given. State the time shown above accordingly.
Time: 1h49
